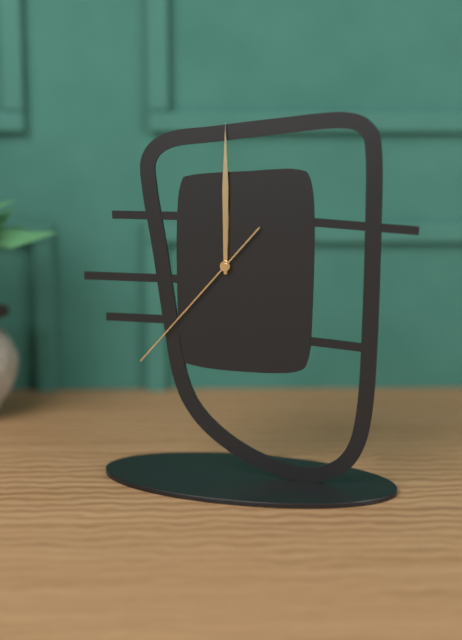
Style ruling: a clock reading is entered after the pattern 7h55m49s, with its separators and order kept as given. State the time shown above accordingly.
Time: 12h00m37s
